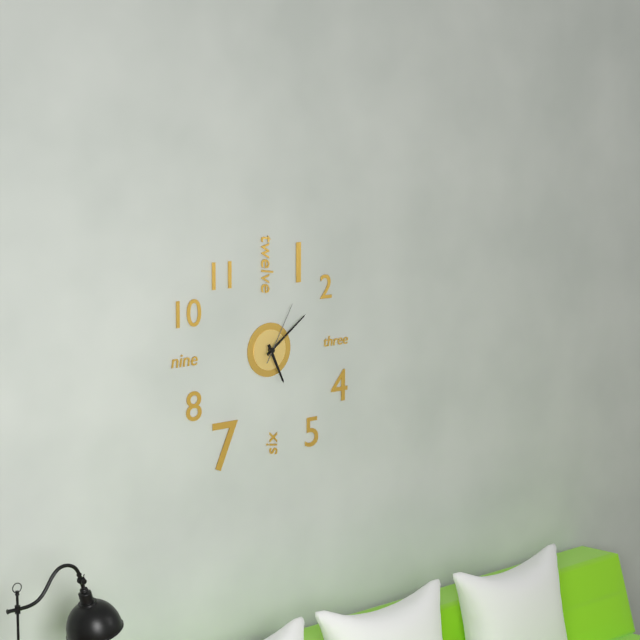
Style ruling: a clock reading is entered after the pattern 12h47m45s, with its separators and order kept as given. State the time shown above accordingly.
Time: 5h09m05s
